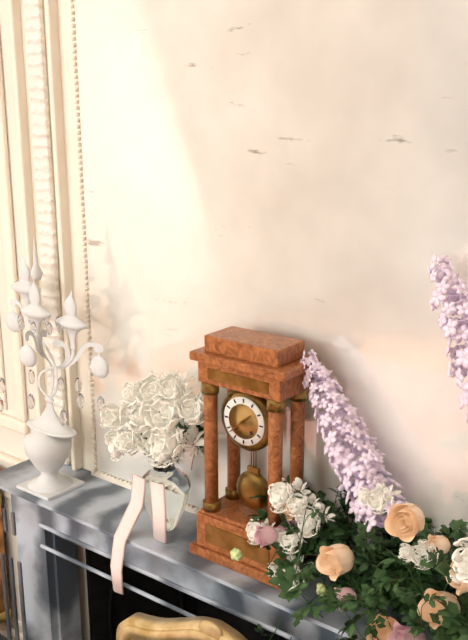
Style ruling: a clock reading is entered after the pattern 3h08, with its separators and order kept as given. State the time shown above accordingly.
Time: 1h38
